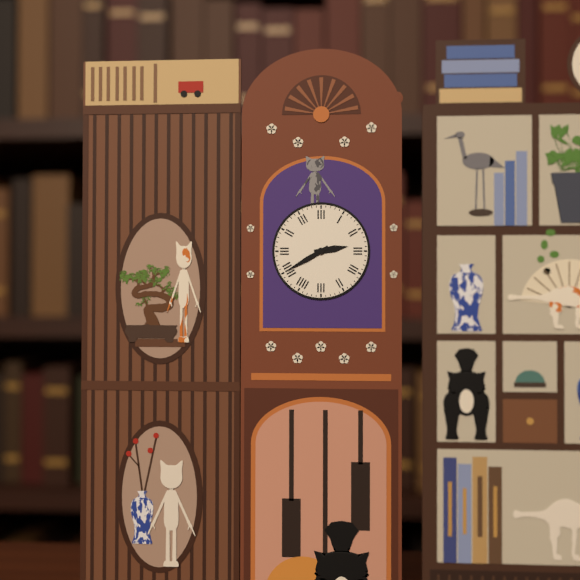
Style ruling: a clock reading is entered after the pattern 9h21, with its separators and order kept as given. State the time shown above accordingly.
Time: 2h40
